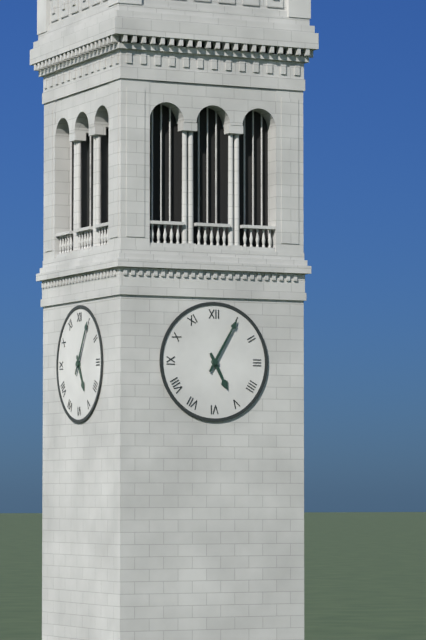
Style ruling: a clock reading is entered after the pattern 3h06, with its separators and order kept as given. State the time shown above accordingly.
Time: 5h05
